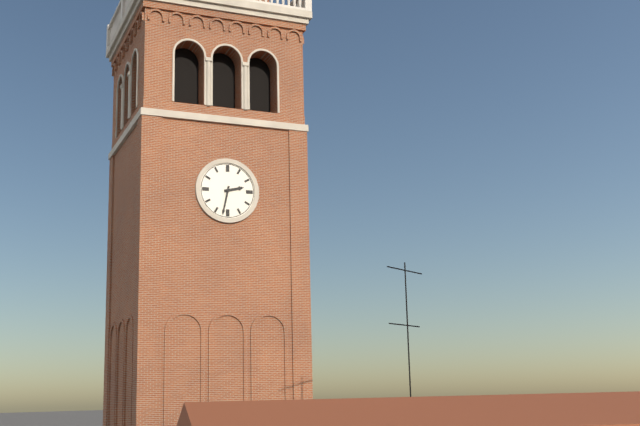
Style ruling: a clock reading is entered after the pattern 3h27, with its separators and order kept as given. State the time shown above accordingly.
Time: 2h32
